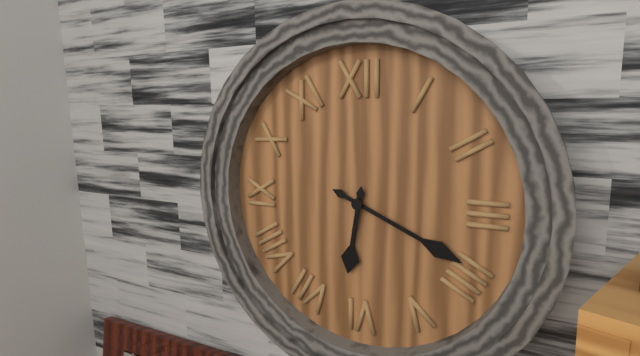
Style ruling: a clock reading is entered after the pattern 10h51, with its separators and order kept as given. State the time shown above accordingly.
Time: 6h19
